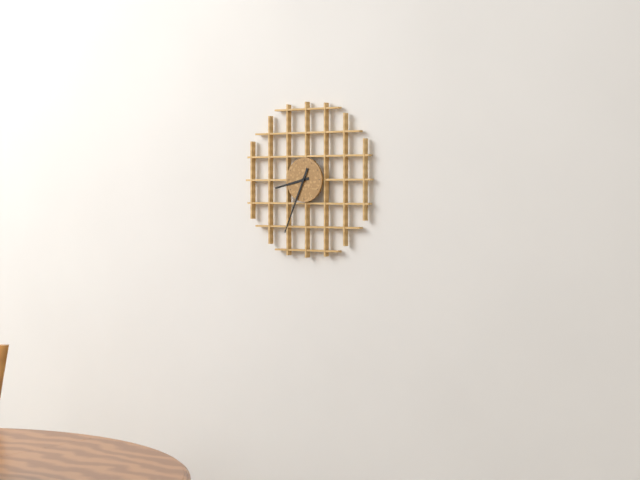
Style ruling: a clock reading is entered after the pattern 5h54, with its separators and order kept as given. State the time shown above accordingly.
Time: 8h34
